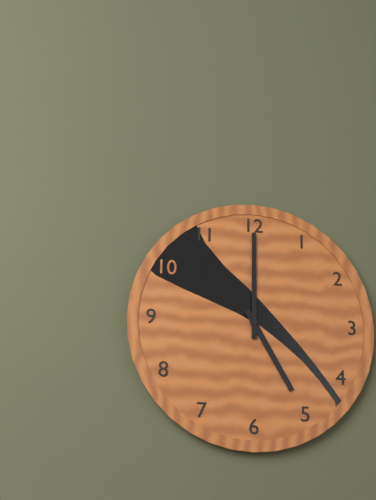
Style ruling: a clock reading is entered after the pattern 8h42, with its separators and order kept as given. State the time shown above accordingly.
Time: 5h00
